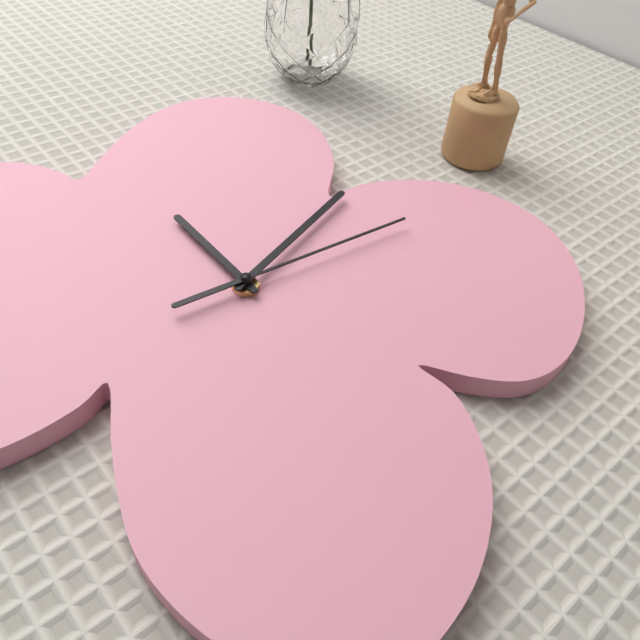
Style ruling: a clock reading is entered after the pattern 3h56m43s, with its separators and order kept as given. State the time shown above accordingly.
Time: 10h02m06s
